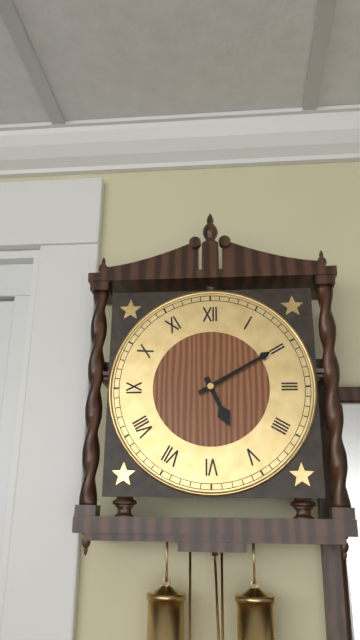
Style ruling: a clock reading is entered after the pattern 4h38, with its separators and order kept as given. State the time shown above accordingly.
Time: 5h10
